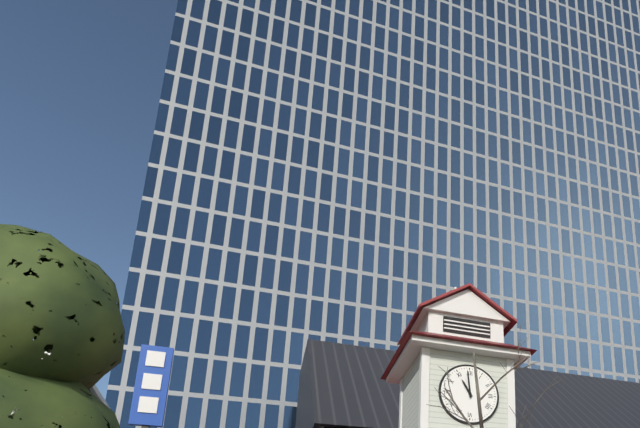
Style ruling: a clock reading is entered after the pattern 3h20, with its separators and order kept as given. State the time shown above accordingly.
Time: 10h59
